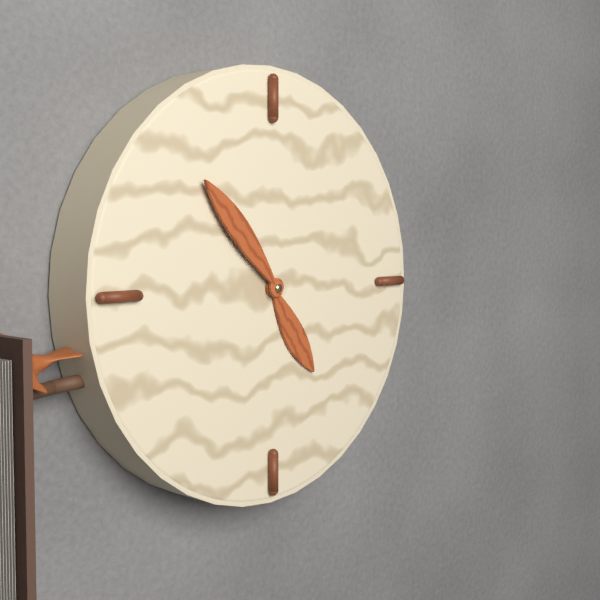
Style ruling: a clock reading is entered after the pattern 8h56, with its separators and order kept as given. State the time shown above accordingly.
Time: 4h53
